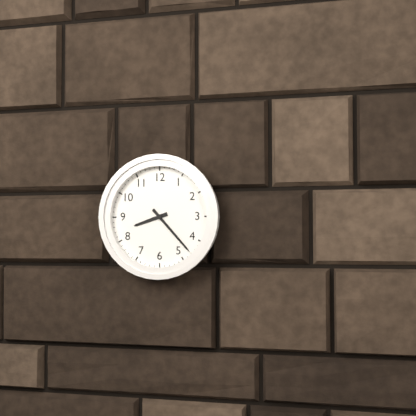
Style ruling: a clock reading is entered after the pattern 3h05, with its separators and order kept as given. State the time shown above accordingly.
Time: 8h23
